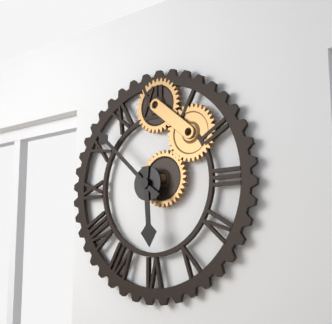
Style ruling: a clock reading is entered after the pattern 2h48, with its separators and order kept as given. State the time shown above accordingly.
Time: 5h52
